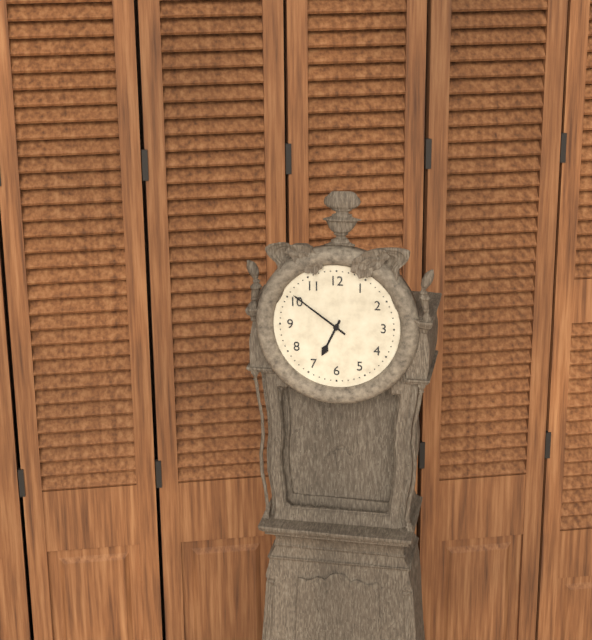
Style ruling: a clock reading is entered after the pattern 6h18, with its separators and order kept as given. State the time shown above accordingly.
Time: 6h51
